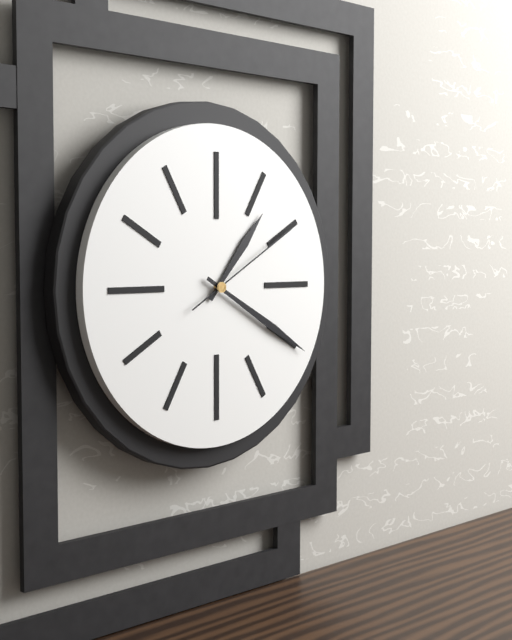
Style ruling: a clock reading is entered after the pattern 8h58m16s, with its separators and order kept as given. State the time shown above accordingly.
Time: 1h20m10s
